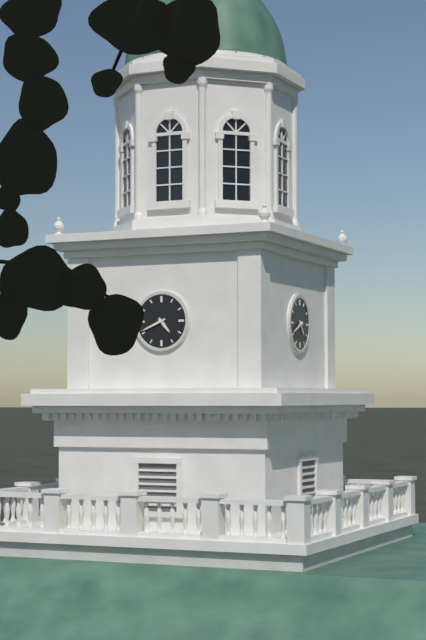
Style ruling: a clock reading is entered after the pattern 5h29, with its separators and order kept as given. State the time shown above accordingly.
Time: 4h41
